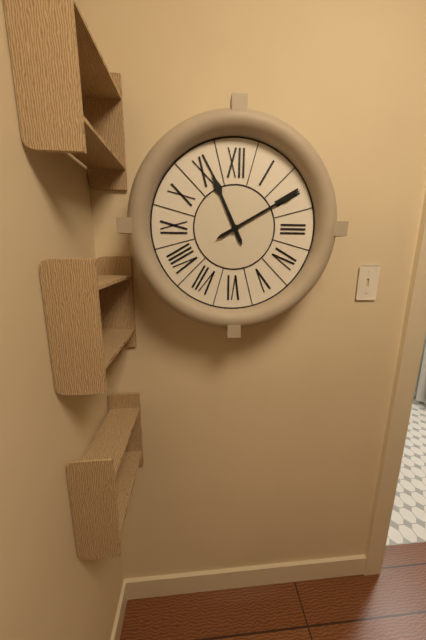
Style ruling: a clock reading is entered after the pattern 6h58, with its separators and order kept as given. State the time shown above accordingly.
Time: 11h10
